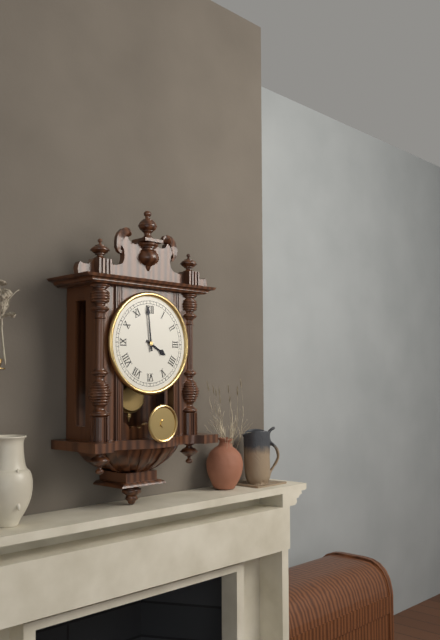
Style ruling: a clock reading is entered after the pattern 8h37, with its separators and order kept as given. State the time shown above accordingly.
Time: 3h59
